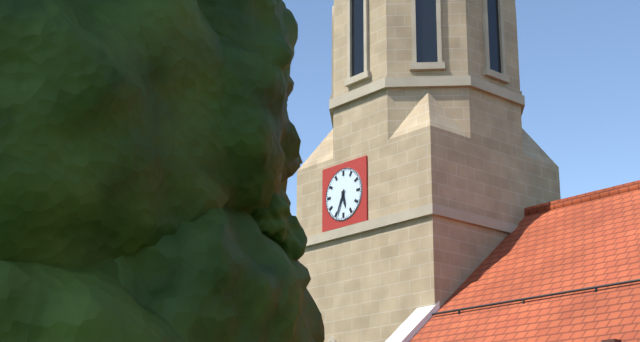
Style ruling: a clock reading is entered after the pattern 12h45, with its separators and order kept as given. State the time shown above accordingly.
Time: 5h34
